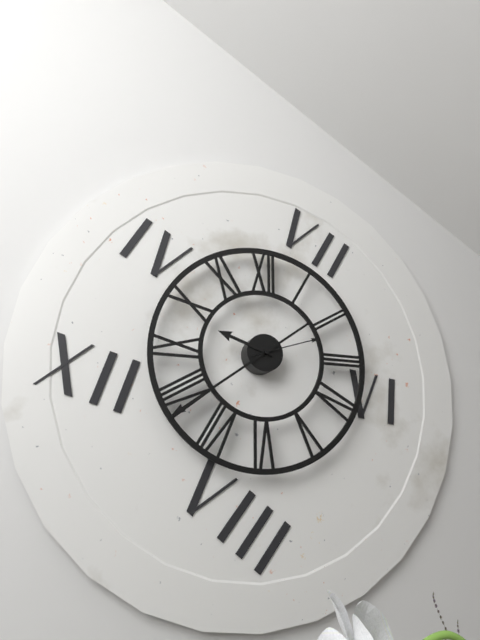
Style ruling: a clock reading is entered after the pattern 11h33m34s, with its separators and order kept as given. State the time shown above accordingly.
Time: 9h39m12s
